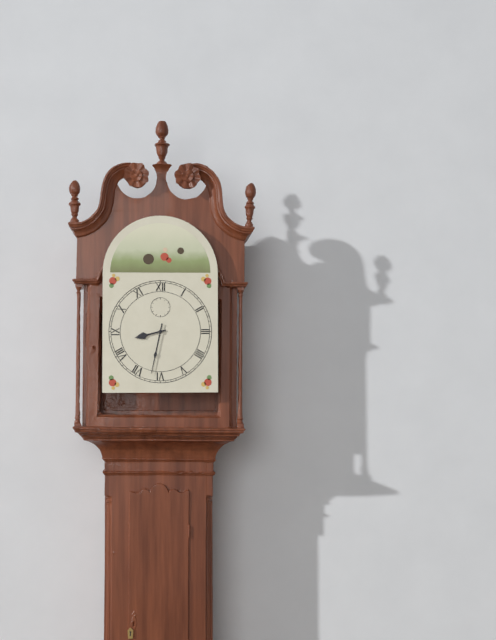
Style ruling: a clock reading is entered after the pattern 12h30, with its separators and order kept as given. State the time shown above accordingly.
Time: 8h32
